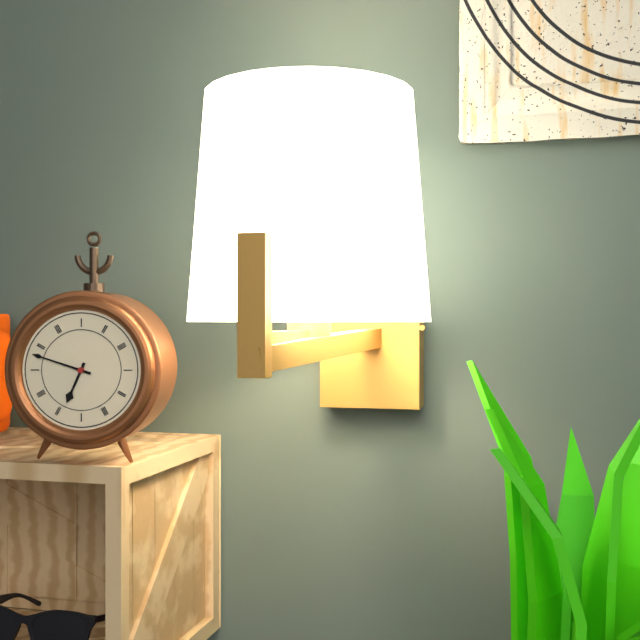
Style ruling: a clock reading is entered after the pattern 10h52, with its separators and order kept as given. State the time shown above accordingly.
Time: 6h48
